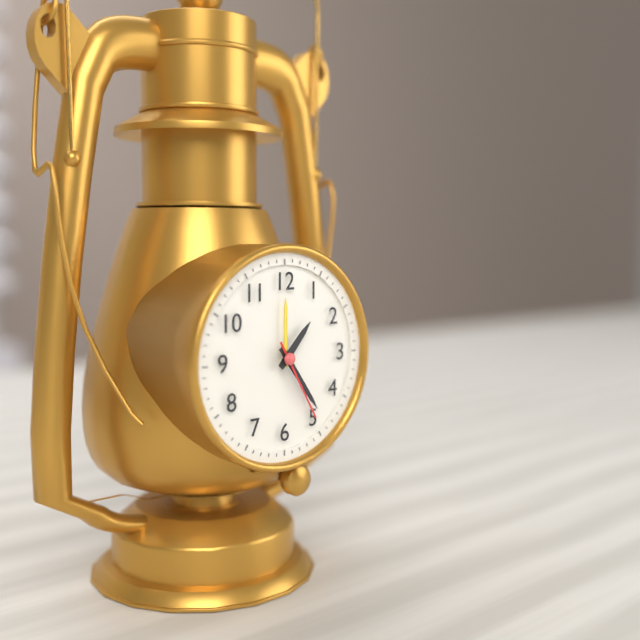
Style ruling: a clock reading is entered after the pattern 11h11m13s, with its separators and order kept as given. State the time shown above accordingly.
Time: 1h24m25s
